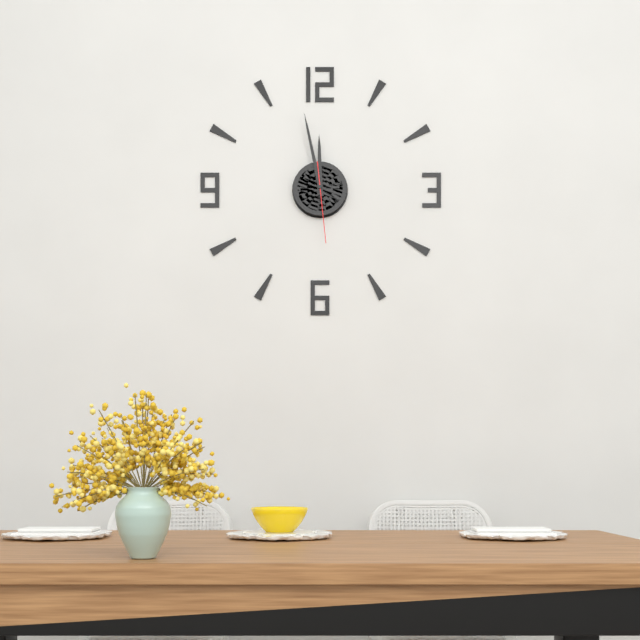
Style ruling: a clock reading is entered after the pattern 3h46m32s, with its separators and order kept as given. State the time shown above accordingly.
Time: 11h58m29s
